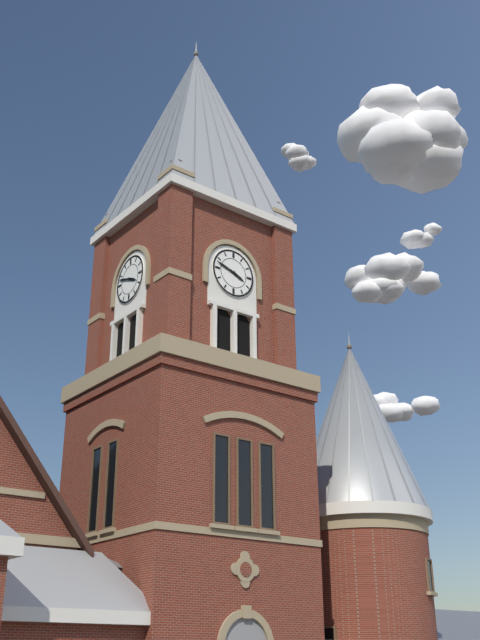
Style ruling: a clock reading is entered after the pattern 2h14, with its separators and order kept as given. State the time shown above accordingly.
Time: 3h48
